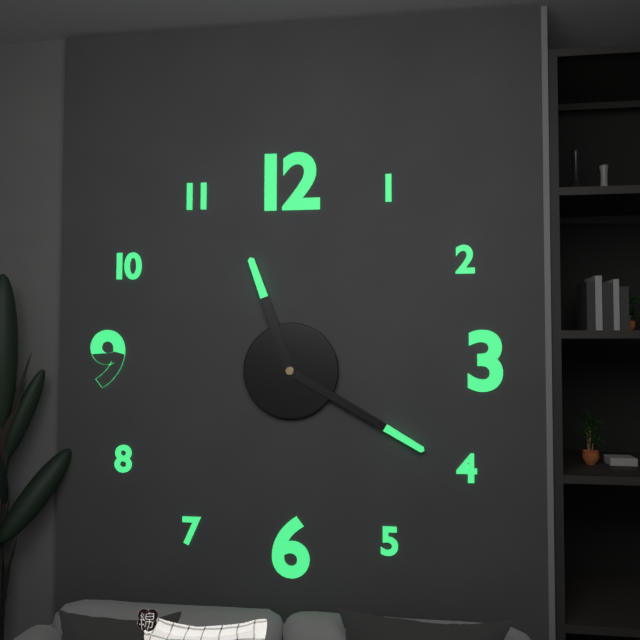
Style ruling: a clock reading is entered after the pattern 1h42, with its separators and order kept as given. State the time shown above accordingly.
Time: 11h20
